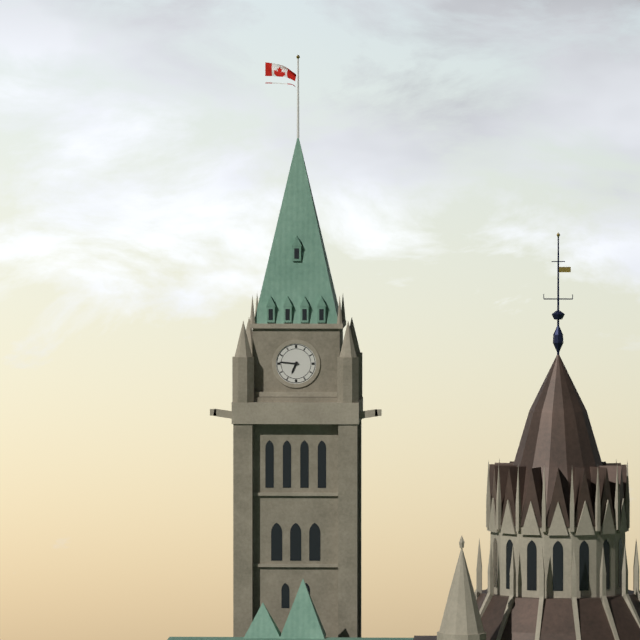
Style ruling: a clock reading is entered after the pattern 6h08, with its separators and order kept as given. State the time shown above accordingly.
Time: 6h46
